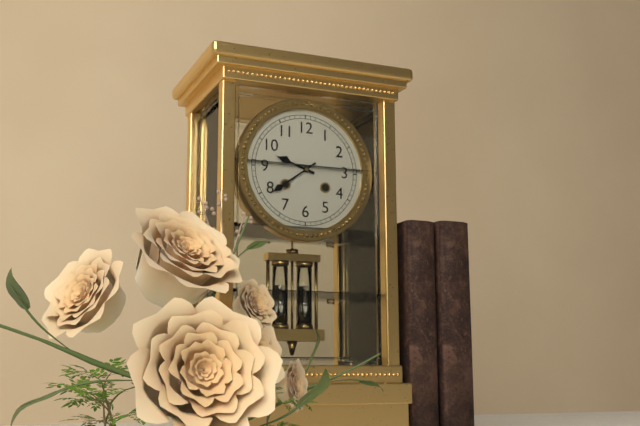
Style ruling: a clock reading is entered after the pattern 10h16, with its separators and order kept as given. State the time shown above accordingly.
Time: 9h39
